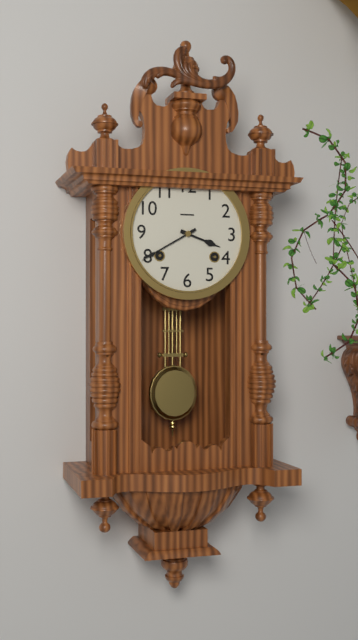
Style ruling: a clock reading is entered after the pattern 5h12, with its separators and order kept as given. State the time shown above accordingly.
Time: 3h40
